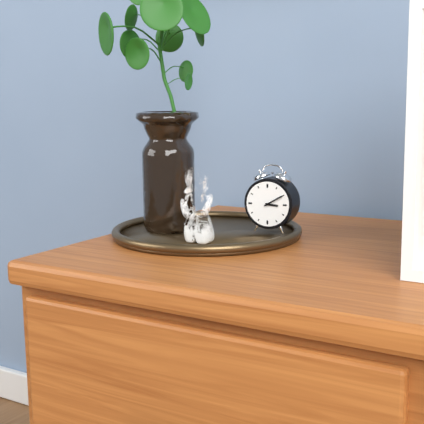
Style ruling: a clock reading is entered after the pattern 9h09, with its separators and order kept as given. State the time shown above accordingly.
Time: 3h10
